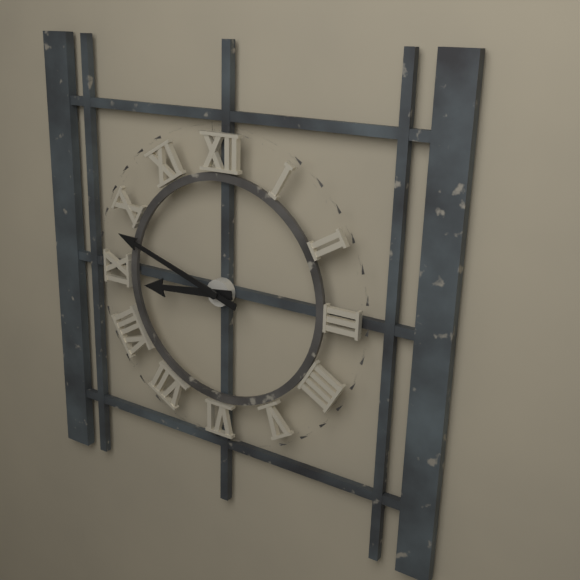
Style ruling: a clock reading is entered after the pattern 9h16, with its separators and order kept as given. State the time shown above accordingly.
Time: 8h48
